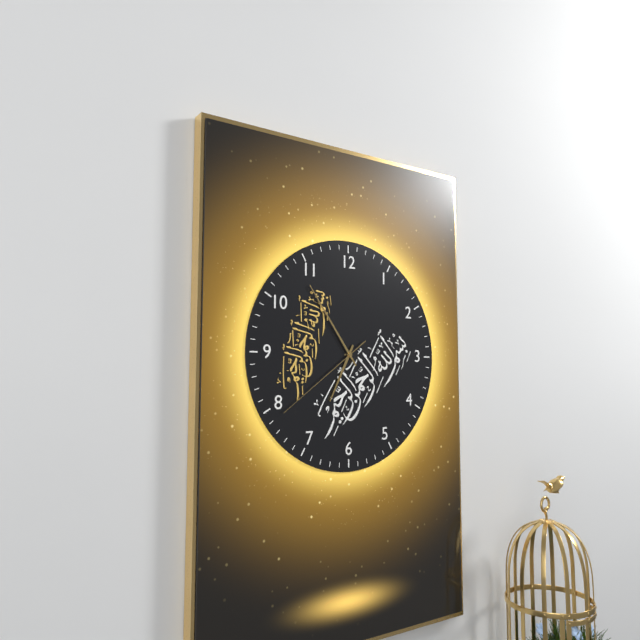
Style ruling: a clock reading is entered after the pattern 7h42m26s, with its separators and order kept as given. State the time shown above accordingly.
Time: 6h54m39s
